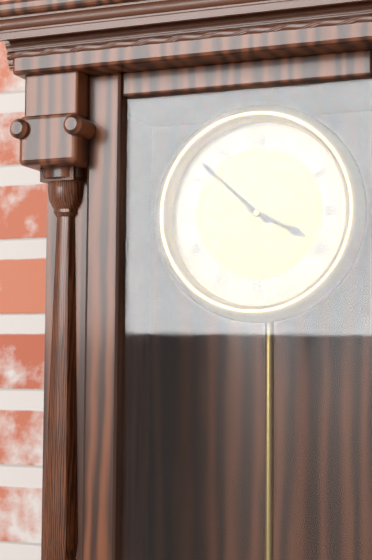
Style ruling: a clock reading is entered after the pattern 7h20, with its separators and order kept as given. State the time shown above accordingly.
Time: 3h52
